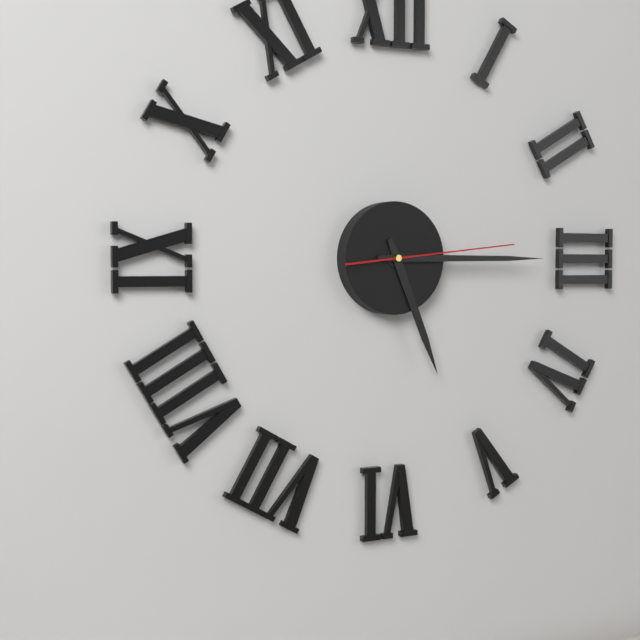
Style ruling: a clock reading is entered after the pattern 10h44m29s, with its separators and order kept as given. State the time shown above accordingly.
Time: 5h15m14s
